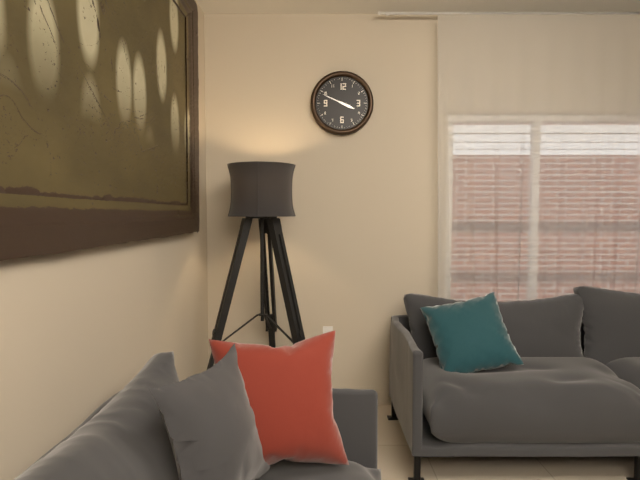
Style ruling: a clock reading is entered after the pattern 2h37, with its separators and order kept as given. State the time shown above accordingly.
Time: 3h49
